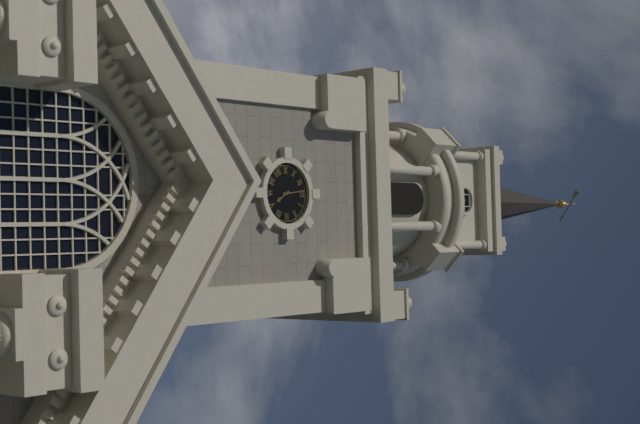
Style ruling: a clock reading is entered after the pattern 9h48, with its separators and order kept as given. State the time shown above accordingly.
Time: 4h59
